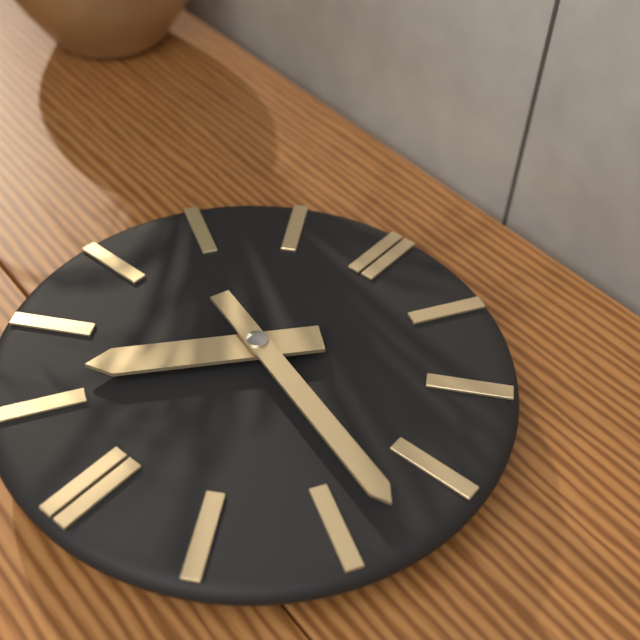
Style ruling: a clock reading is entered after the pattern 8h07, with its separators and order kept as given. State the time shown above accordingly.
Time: 7h18
